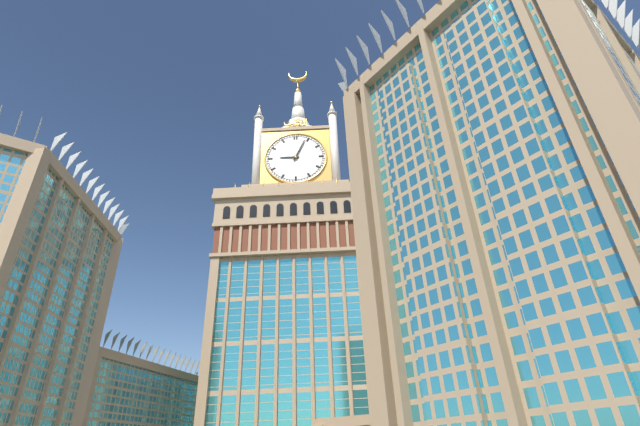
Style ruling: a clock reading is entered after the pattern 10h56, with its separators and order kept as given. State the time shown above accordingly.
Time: 9h04
